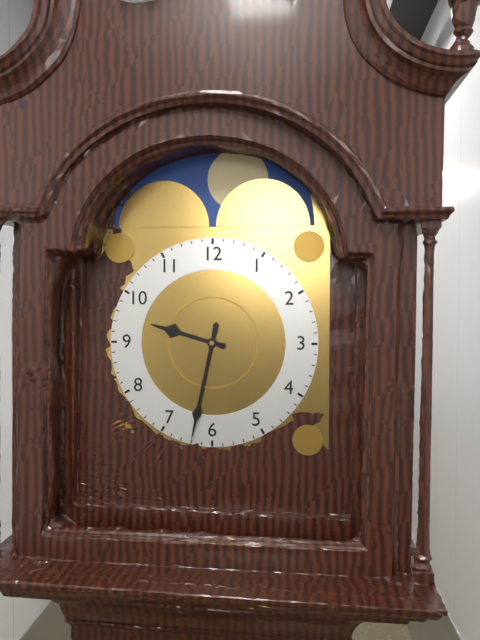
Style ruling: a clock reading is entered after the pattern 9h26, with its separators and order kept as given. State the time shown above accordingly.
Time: 9h32
